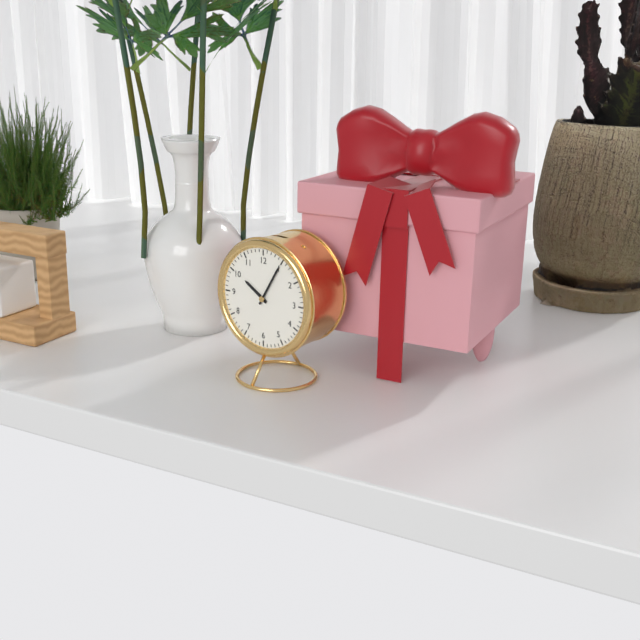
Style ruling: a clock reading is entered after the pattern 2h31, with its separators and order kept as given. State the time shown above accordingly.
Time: 10h05
